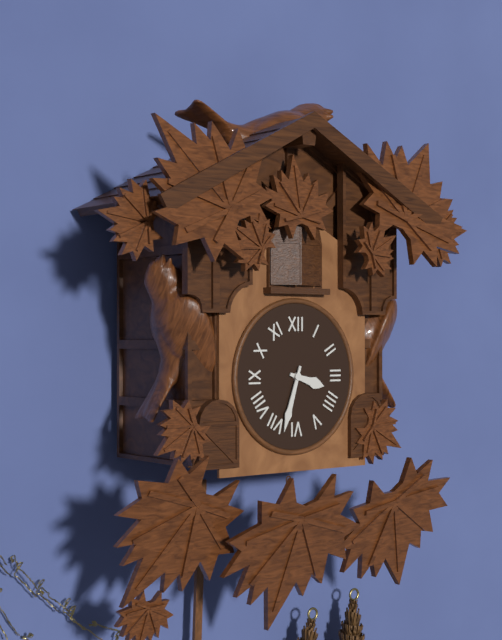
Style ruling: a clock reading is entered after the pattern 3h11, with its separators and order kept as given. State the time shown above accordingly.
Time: 3h33
